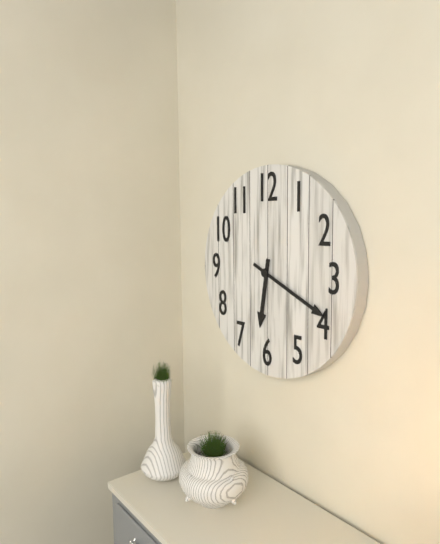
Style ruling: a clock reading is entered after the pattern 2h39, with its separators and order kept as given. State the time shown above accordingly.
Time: 6h19
